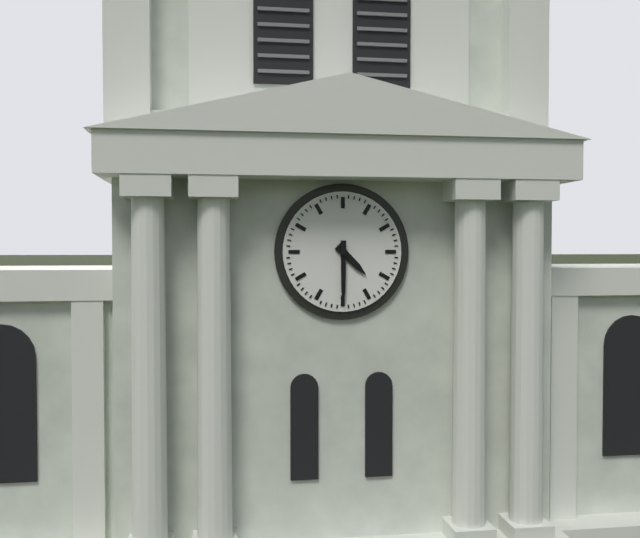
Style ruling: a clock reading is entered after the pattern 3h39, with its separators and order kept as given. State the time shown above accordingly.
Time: 4h30
